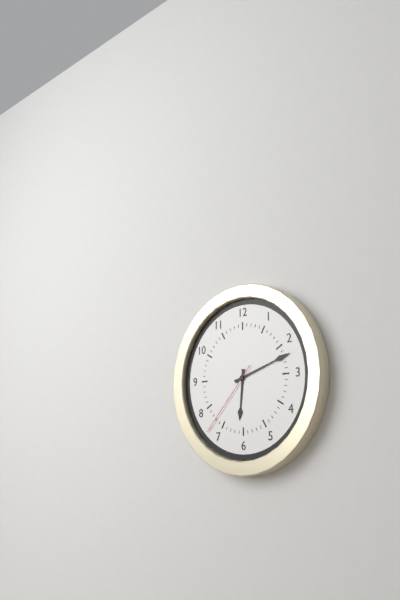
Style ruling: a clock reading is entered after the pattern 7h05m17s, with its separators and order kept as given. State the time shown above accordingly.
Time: 6h12m37s
